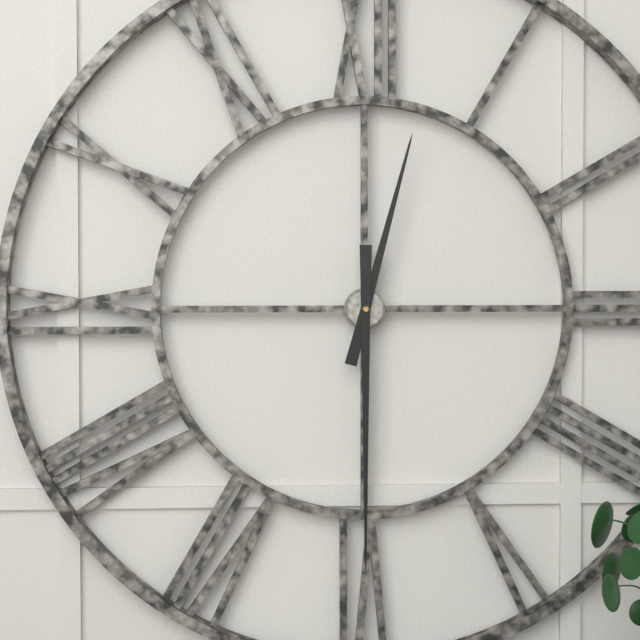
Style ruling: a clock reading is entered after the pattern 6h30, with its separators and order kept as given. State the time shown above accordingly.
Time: 12h30
